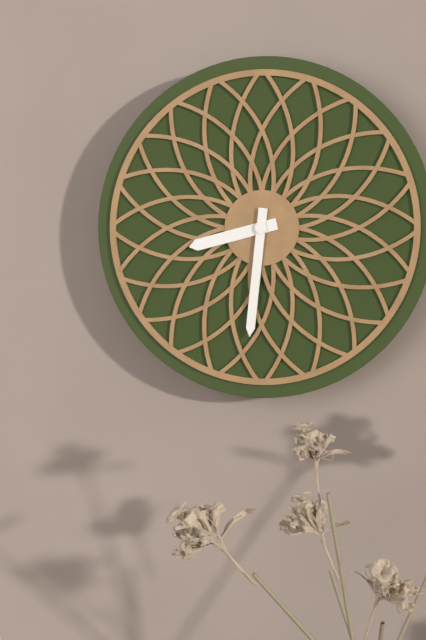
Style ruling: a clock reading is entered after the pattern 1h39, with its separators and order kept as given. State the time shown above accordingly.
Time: 8h31
